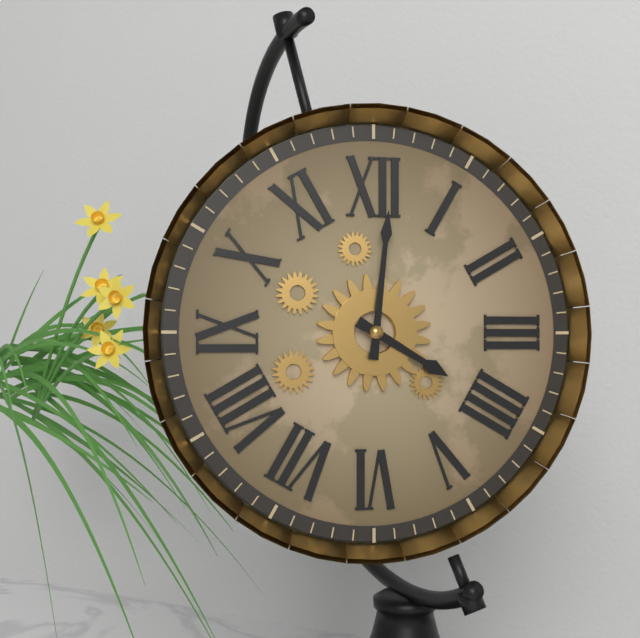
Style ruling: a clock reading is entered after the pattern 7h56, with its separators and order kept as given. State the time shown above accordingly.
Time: 4h01
